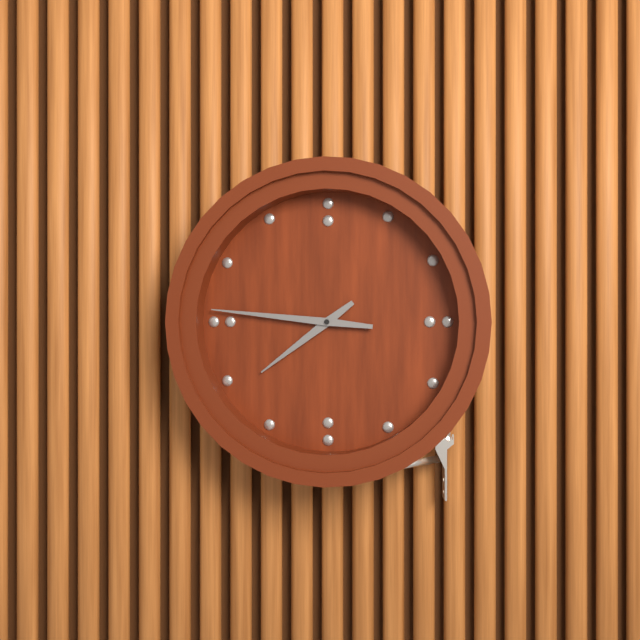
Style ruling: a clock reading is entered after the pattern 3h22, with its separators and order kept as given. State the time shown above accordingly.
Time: 7h46
